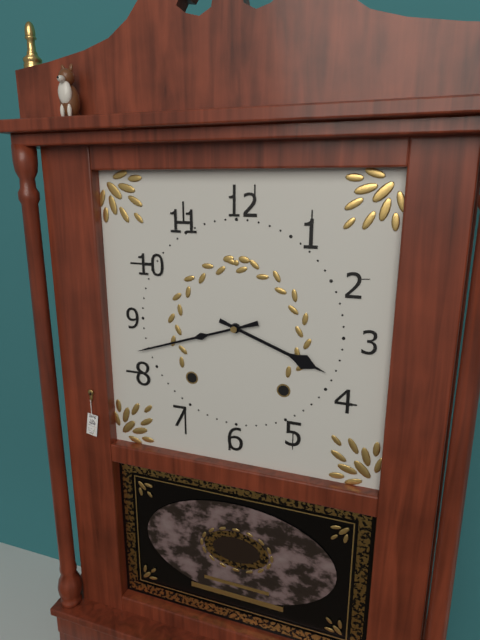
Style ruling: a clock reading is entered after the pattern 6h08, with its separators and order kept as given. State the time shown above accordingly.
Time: 3h42
